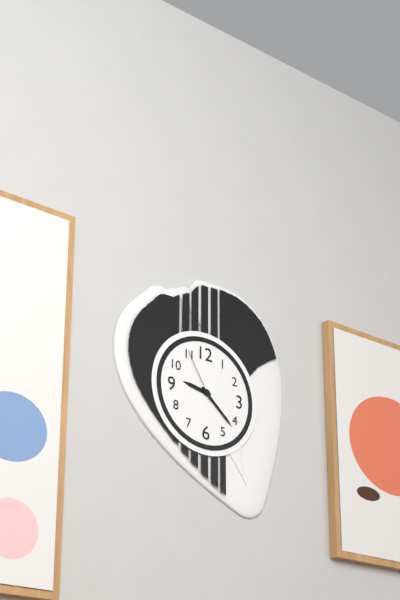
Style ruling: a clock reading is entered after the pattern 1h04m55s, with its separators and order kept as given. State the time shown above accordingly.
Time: 9h22m55s
